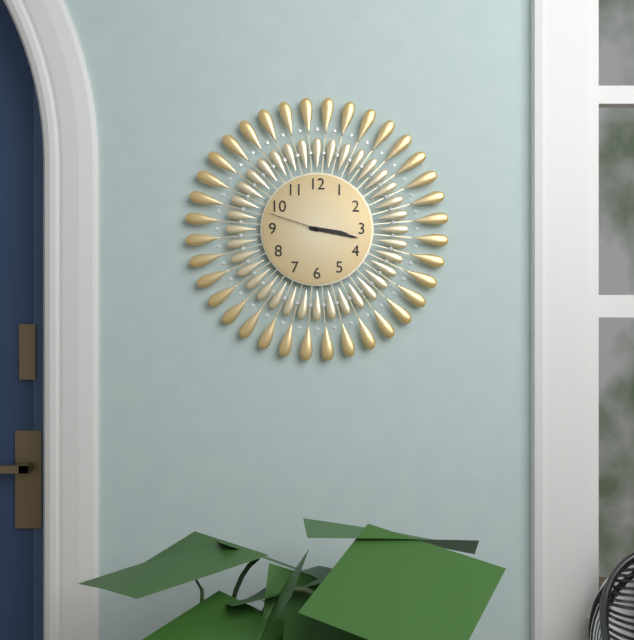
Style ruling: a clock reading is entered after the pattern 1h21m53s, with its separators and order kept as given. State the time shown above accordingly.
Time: 3h17m48s
